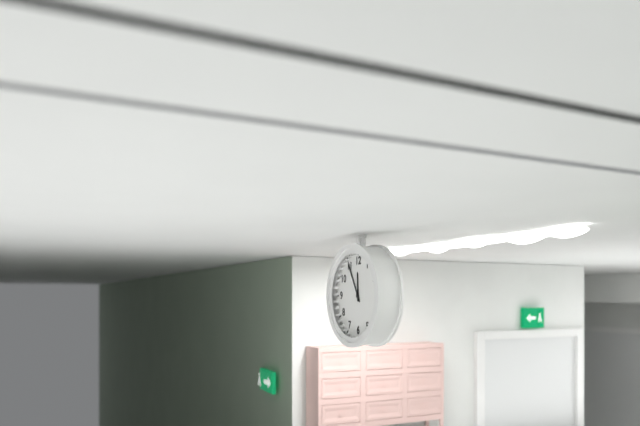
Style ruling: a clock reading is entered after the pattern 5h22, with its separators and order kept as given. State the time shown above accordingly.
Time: 11h55
